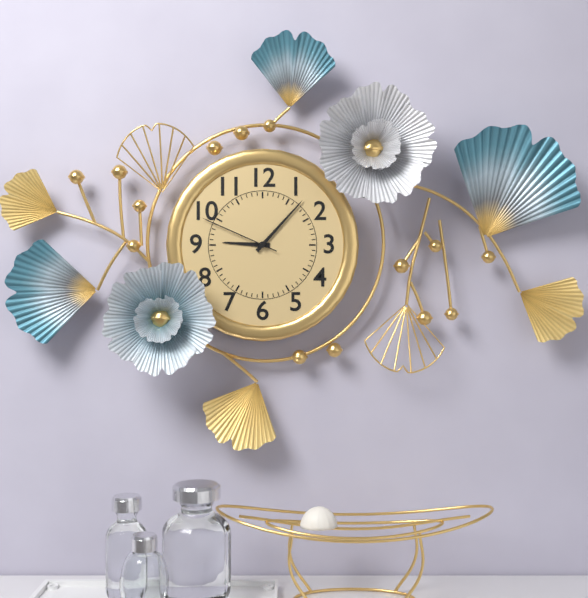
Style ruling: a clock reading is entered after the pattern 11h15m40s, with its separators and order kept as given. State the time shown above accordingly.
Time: 9h07m49s
